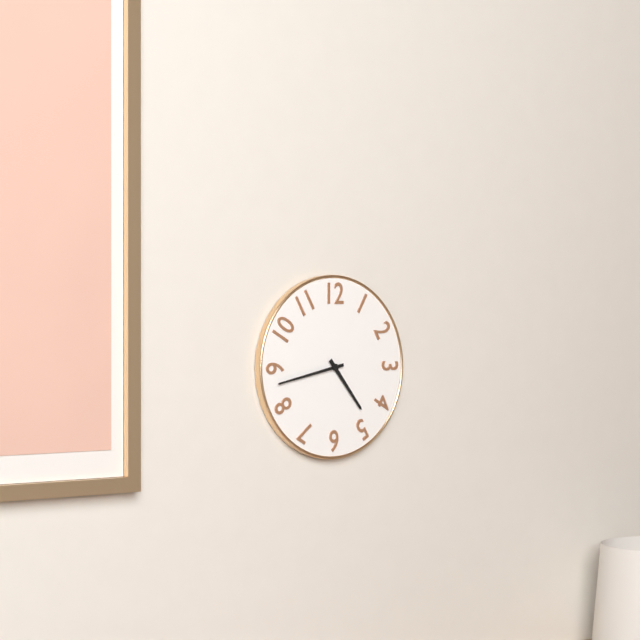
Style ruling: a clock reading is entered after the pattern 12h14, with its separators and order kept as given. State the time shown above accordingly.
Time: 4h43
